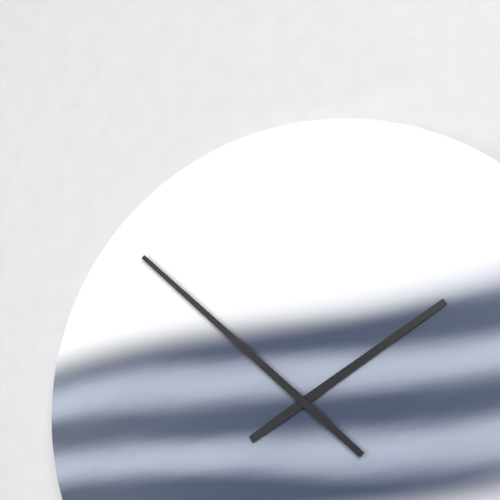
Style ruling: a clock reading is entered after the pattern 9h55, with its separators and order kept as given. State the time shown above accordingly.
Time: 1h52
